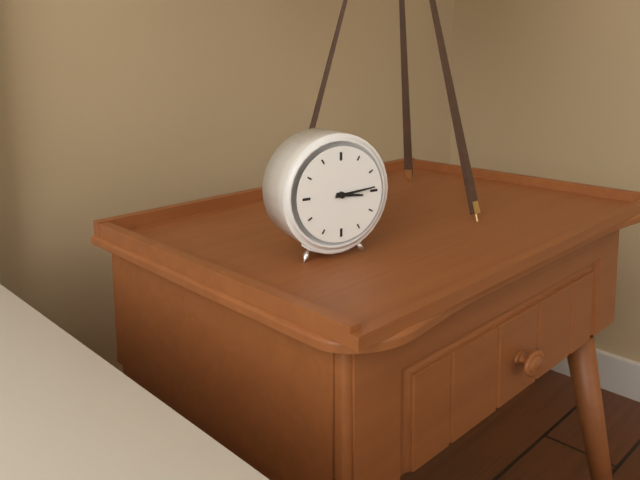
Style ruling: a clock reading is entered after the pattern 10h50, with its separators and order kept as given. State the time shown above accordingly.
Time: 3h14
